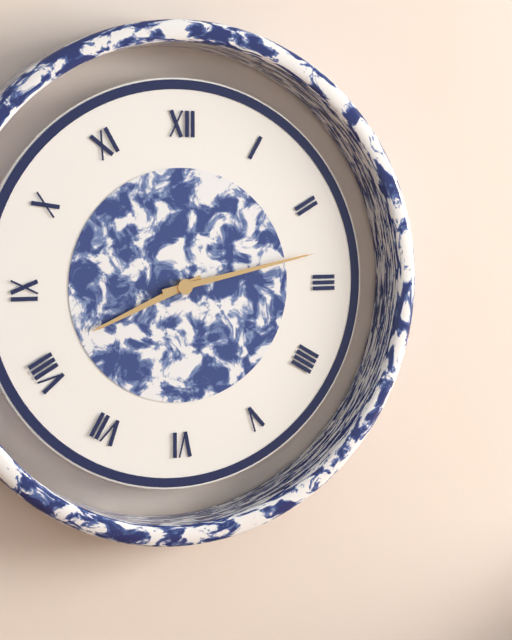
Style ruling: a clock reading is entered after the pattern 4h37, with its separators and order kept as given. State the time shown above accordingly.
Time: 8h13
